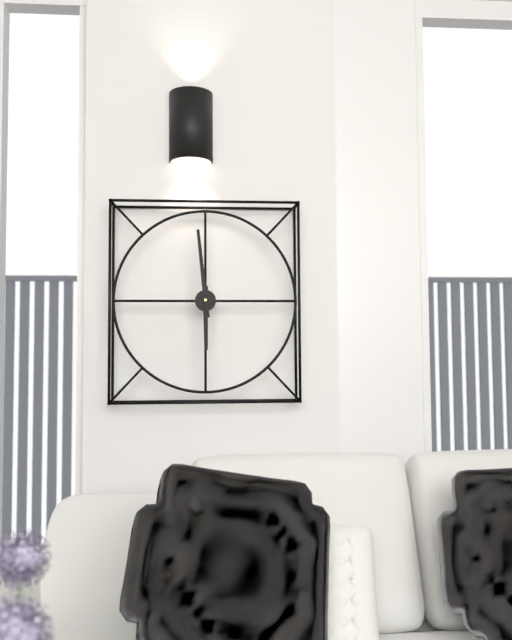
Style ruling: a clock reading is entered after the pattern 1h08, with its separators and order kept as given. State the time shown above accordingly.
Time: 5h59
